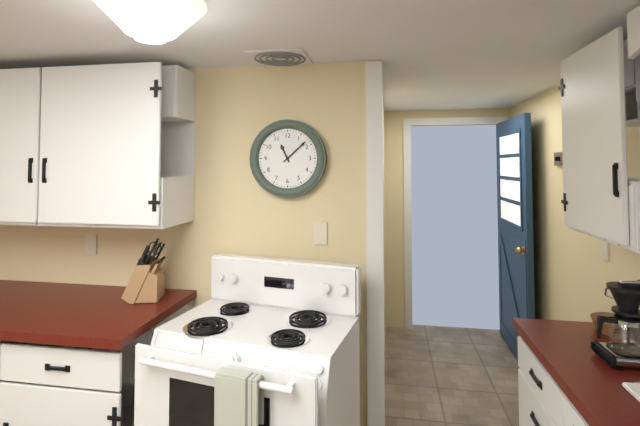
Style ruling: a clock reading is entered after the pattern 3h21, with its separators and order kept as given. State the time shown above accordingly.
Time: 11h08
